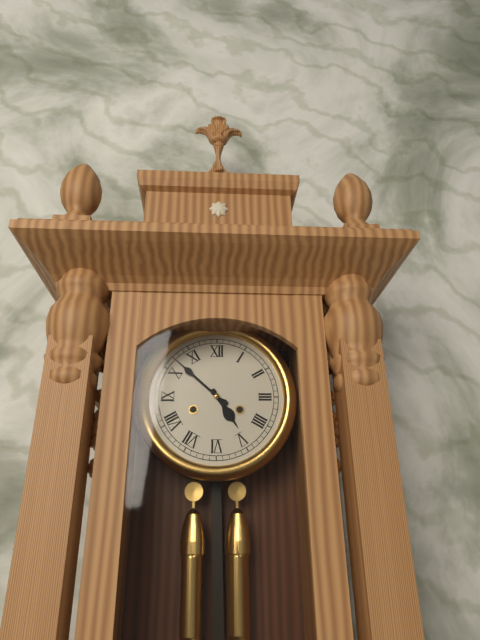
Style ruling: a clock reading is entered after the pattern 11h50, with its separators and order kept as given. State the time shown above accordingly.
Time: 4h52
